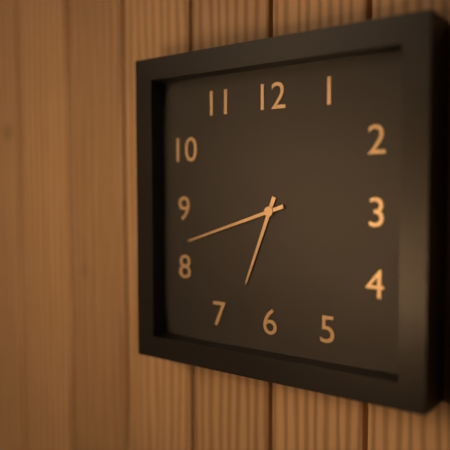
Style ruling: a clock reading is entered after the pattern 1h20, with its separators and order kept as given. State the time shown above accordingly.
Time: 6h42
